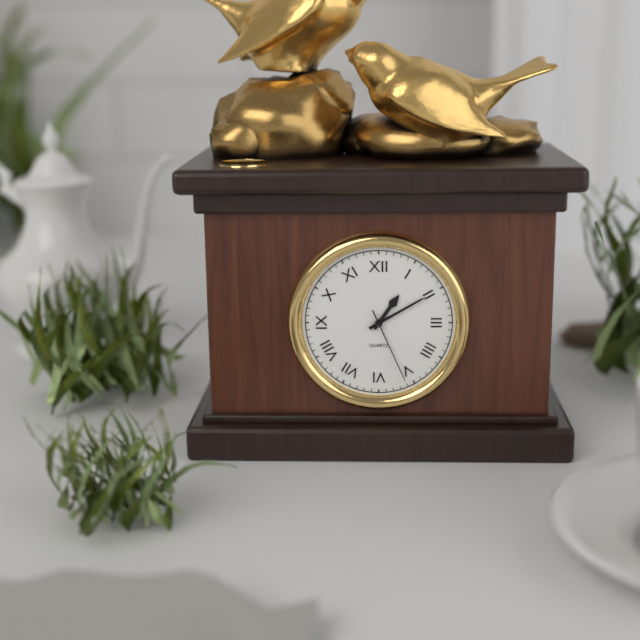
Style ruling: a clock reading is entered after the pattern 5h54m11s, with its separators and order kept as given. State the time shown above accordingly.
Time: 1h10m26s
